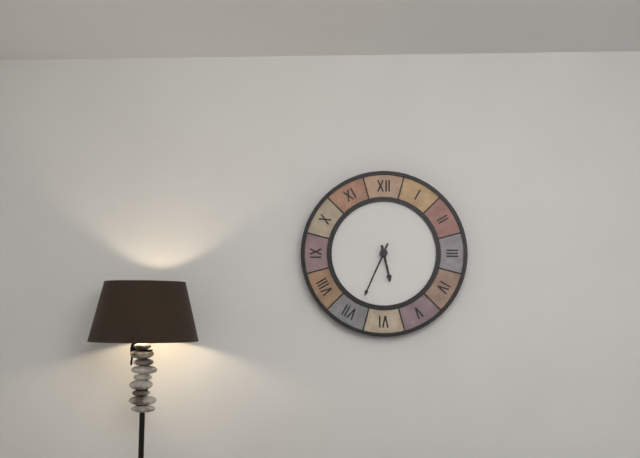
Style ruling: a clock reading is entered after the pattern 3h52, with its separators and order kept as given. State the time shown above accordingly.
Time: 5h34
